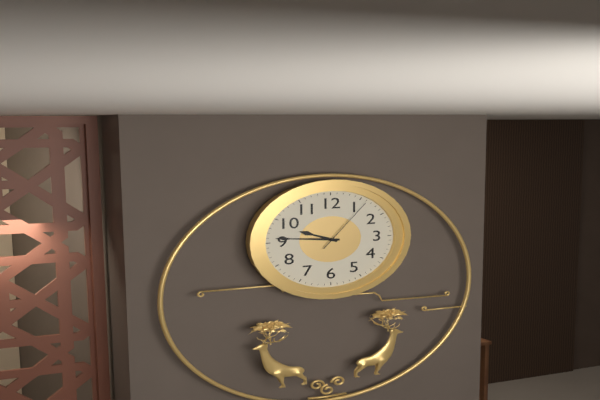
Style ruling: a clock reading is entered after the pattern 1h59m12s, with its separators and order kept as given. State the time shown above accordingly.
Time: 9h46m06s
